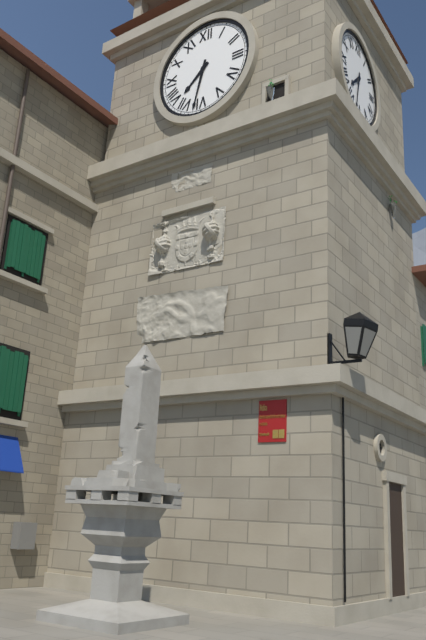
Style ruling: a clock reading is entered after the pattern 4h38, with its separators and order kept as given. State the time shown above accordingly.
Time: 7h32
